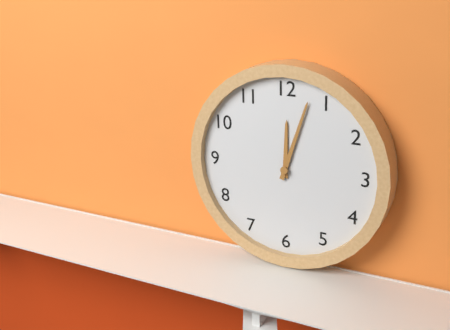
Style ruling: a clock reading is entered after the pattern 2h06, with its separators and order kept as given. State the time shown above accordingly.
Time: 12h03
